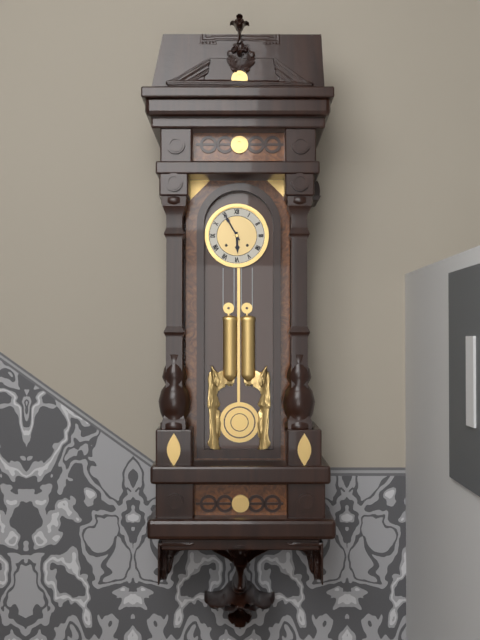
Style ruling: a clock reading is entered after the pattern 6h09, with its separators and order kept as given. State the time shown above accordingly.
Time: 5h55
